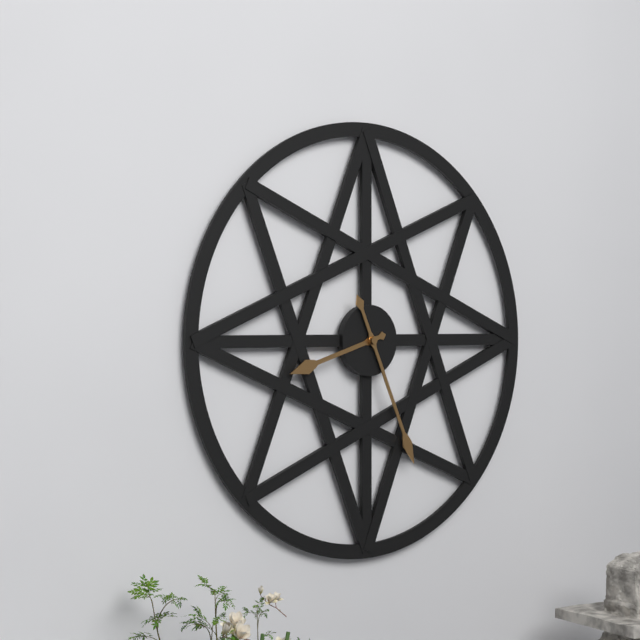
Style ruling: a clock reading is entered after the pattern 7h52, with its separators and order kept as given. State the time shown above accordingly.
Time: 8h26
